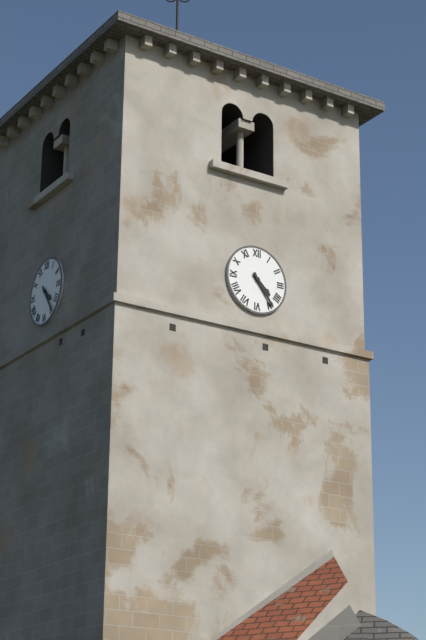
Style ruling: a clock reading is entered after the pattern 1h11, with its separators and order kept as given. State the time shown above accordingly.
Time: 4h24
